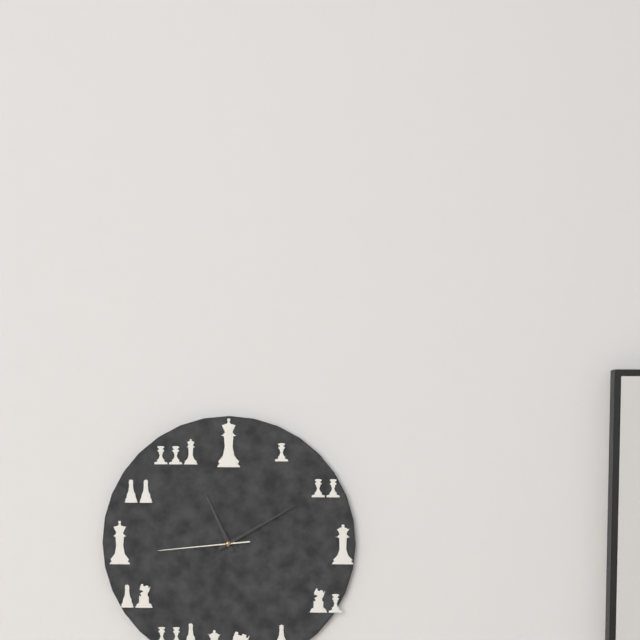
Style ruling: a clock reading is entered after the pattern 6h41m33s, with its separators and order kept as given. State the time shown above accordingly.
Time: 11h10m44s
